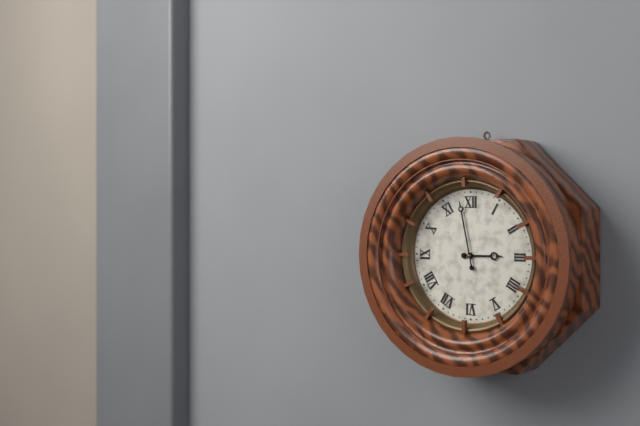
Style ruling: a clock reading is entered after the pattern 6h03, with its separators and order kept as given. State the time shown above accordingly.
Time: 2h58
